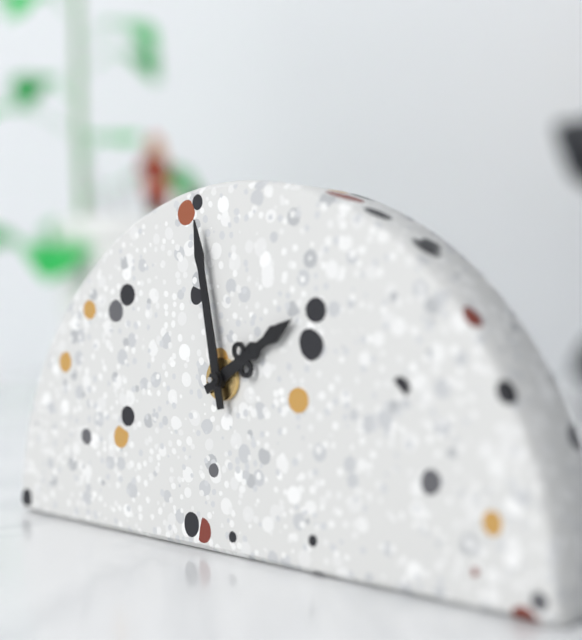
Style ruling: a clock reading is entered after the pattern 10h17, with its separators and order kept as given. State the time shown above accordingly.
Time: 1h58
